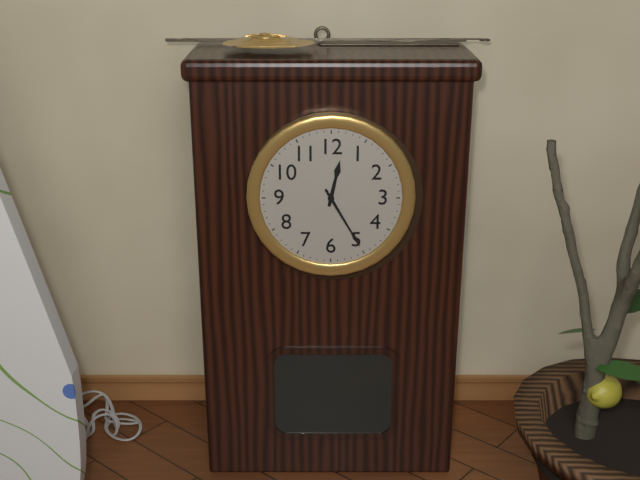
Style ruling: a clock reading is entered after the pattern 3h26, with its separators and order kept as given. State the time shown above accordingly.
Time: 12h25
